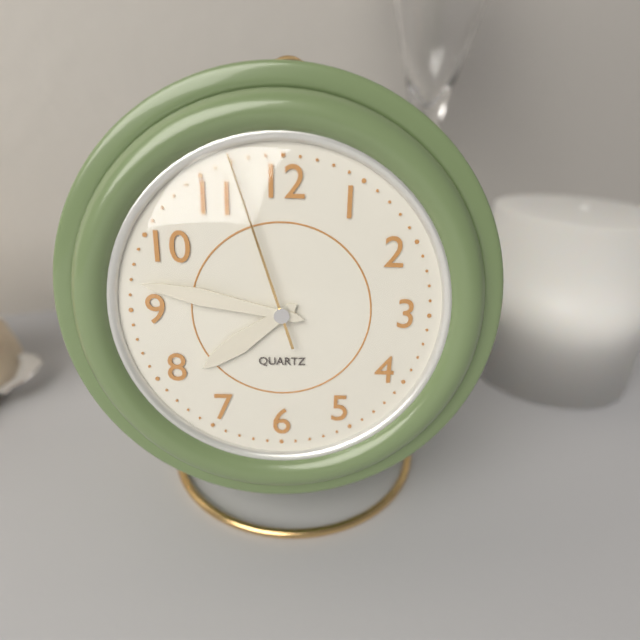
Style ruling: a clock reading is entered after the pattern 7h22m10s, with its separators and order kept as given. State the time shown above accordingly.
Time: 7h47m57s
